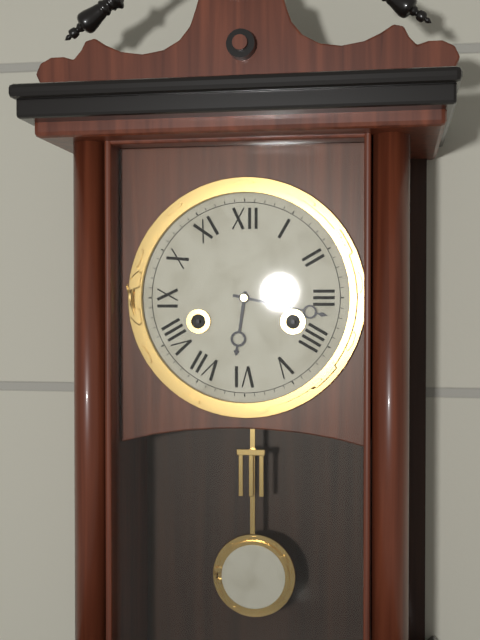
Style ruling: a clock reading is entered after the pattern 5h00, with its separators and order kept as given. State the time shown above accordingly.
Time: 6h17
